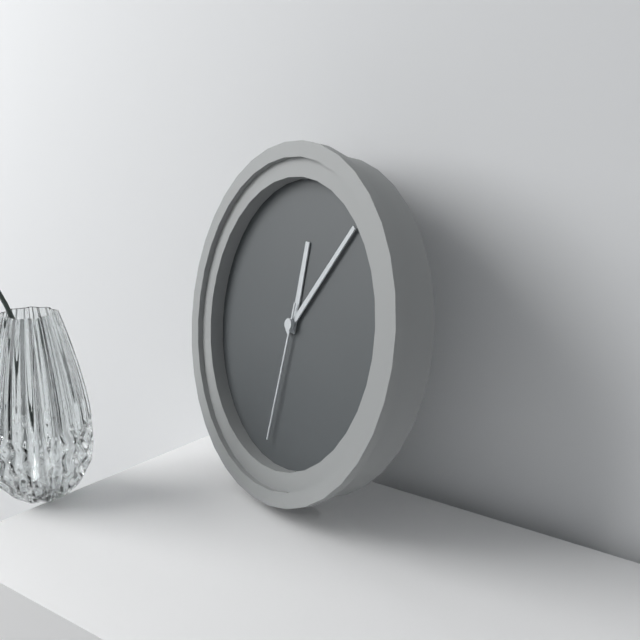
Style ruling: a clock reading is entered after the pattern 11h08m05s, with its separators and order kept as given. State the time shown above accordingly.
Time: 12h06m31s
